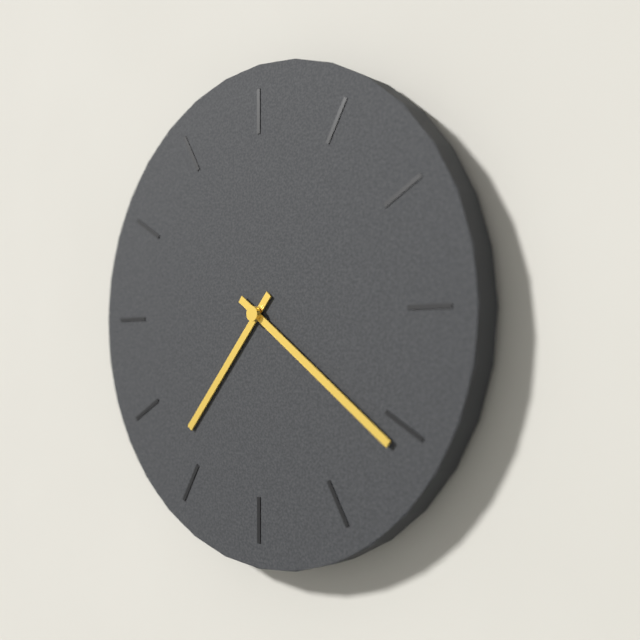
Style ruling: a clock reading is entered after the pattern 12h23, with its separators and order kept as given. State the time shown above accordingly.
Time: 7h21
